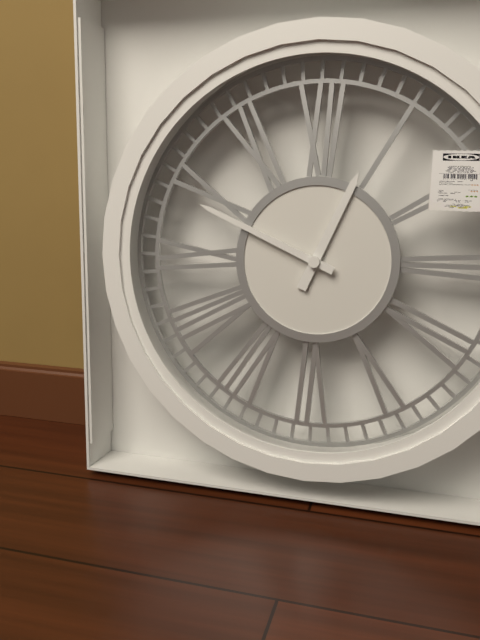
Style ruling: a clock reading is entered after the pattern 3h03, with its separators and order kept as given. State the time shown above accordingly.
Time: 12h49
